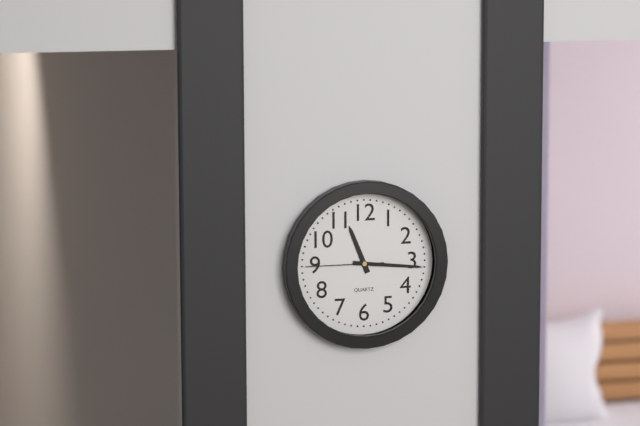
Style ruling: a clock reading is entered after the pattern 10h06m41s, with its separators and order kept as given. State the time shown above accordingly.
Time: 11h16m45s
